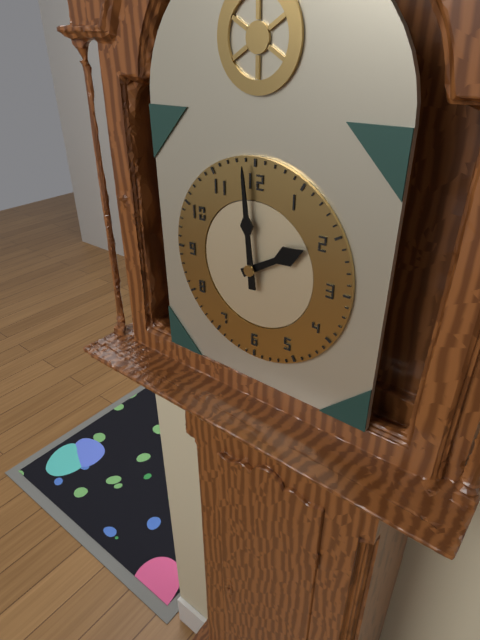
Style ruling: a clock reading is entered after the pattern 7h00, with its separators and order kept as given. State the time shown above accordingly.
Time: 1h59
